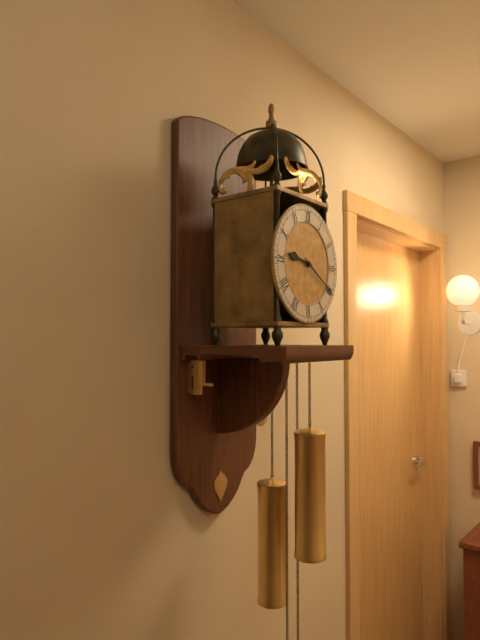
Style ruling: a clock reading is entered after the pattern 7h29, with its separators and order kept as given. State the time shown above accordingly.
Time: 9h20
